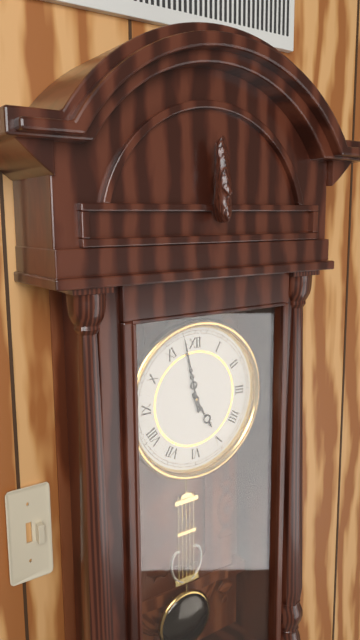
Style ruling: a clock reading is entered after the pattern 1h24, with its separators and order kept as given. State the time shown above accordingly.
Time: 4h58
